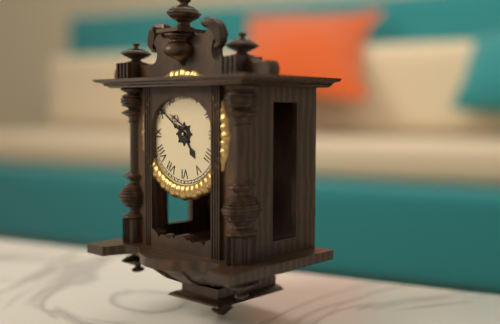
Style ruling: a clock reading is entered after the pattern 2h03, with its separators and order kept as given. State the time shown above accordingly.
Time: 4h51
